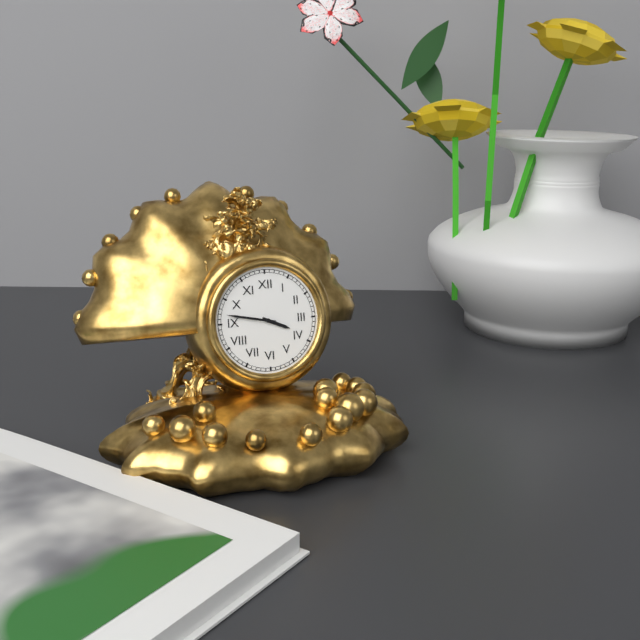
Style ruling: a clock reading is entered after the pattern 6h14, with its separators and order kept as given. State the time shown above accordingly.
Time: 3h47
